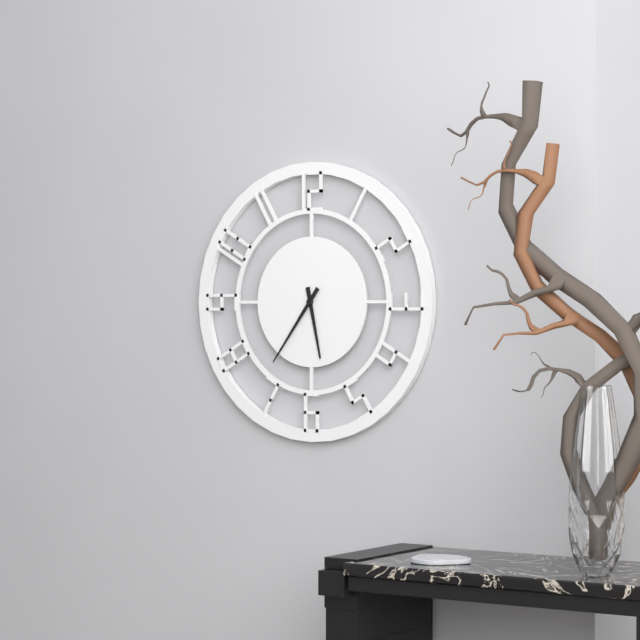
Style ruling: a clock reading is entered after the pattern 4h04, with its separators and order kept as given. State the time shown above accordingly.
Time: 5h36
